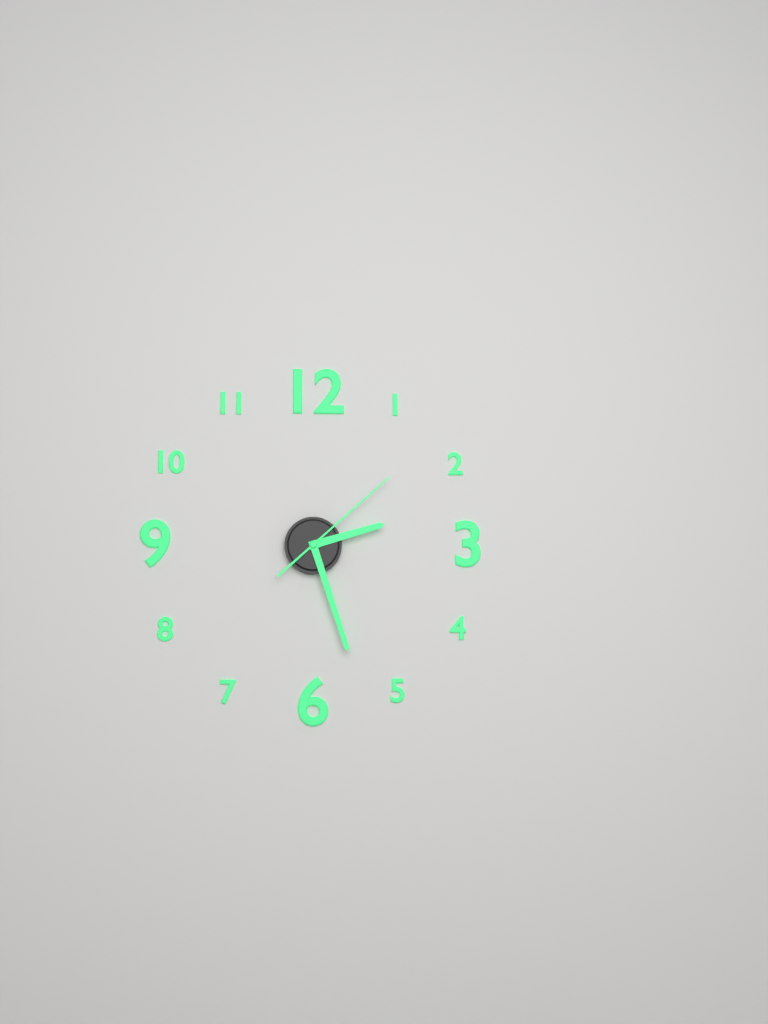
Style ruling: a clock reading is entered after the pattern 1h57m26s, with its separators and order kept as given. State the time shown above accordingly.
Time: 2h27m08s
